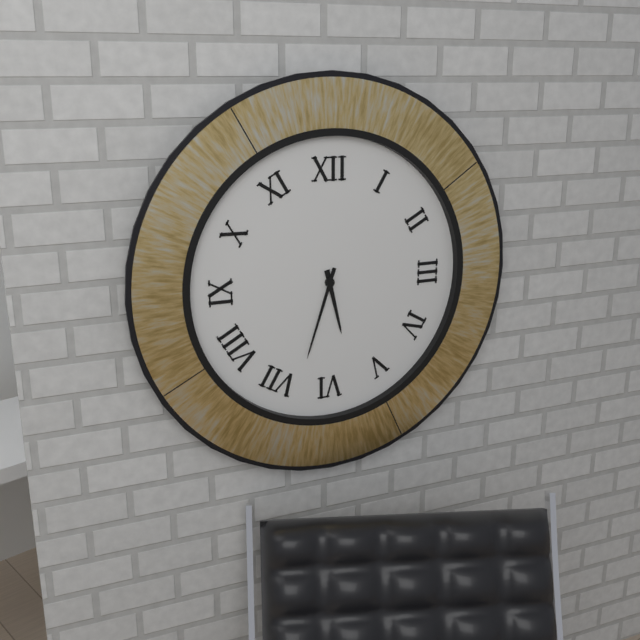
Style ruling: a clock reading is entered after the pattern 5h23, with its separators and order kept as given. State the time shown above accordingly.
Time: 5h33
